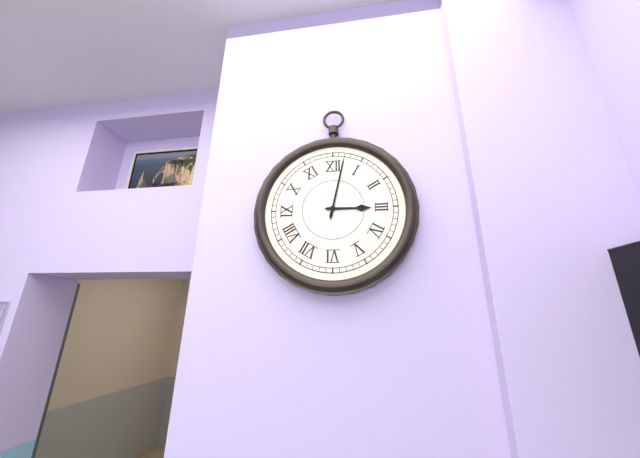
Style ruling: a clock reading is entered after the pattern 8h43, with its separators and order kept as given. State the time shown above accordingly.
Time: 3h02
